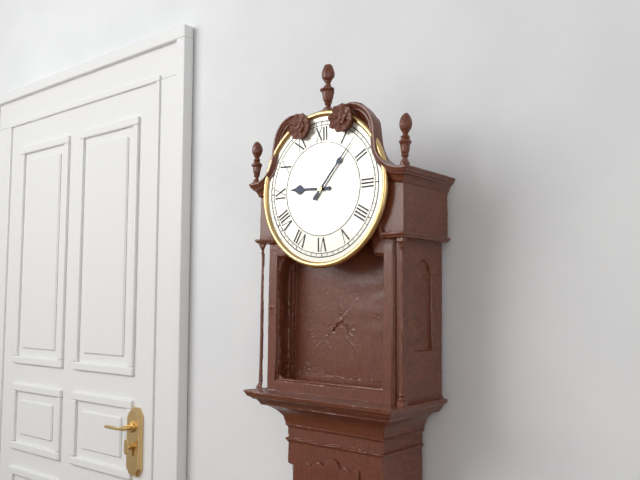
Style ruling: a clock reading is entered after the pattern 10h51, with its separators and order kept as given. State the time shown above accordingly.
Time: 9h07
